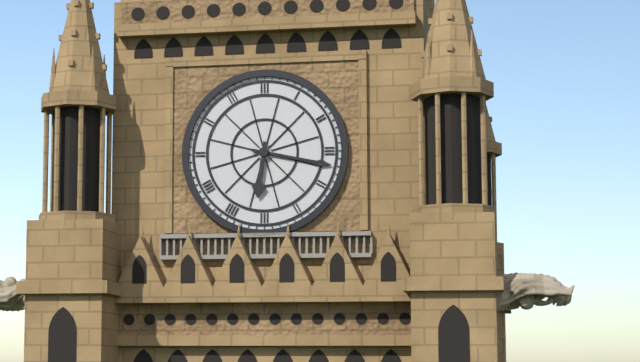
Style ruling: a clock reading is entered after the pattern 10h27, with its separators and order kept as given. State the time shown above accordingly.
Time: 6h17
